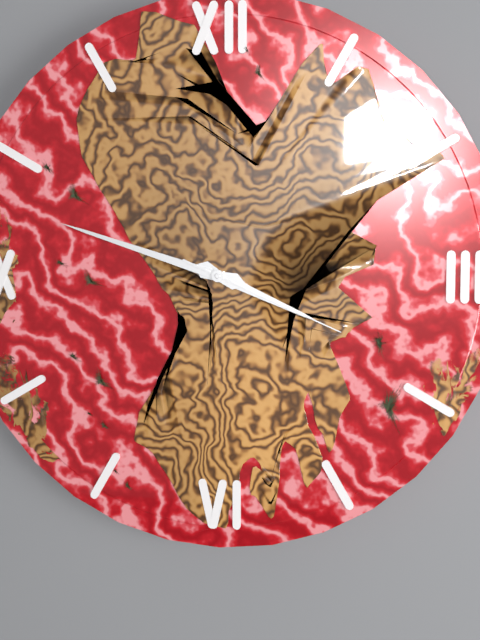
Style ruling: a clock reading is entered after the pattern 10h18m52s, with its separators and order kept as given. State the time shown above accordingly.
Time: 3h48m19s
